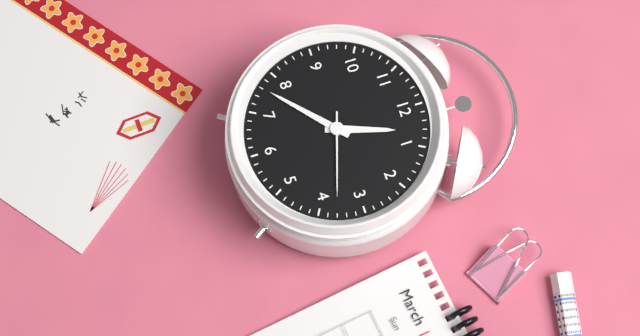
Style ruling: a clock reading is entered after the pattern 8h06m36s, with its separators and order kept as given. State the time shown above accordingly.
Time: 12h38m18s
